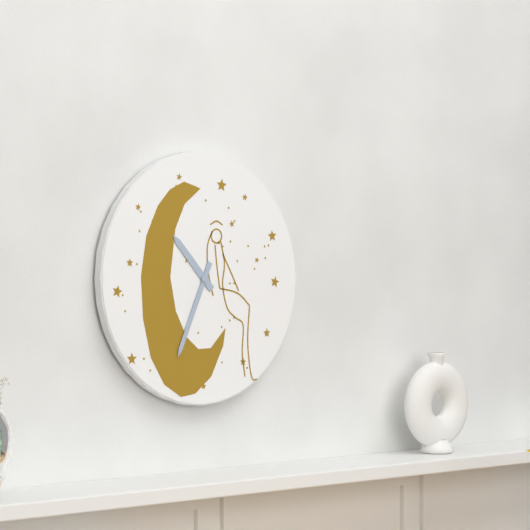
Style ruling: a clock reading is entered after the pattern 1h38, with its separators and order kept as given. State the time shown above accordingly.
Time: 10h34
